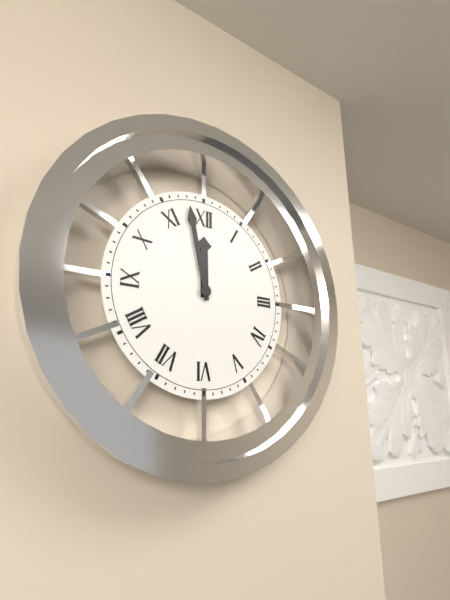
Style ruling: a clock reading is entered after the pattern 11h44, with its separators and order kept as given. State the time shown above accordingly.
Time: 11h58
